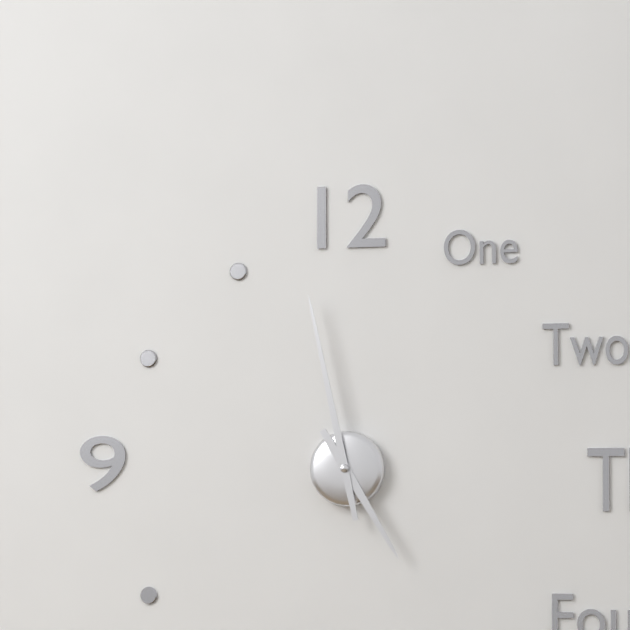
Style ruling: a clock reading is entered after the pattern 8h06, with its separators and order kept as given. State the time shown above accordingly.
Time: 4h58
